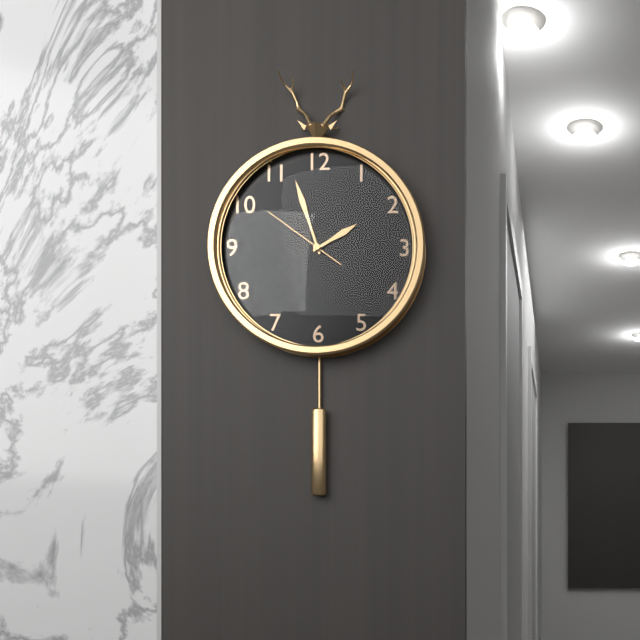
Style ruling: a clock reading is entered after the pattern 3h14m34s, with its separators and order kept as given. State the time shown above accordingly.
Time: 1h57m51s
